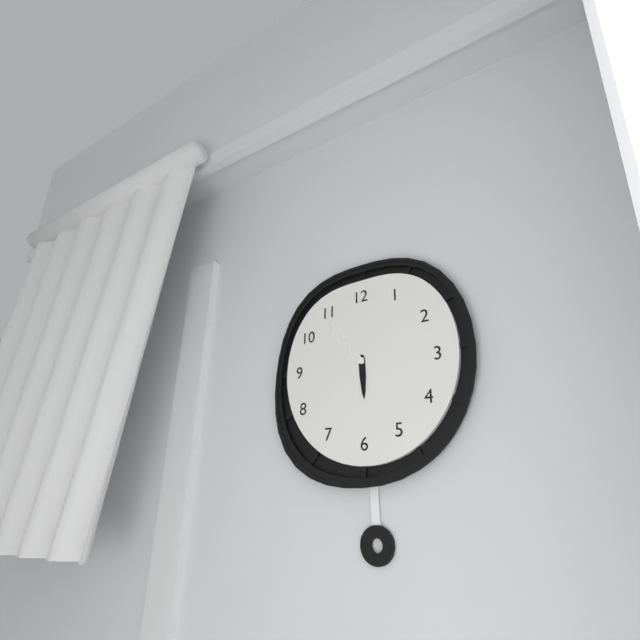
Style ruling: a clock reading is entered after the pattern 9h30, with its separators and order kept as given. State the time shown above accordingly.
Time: 5h53
